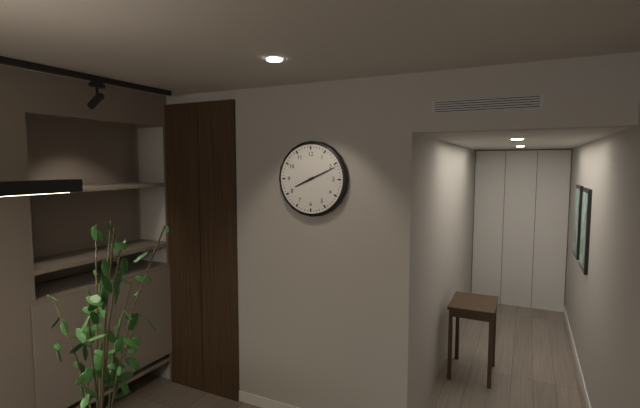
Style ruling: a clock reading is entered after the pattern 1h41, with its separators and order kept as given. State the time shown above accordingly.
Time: 8h11
